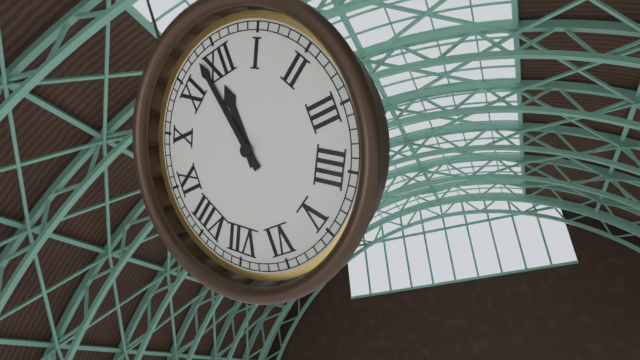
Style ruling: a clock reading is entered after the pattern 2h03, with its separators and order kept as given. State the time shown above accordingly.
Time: 11h58
